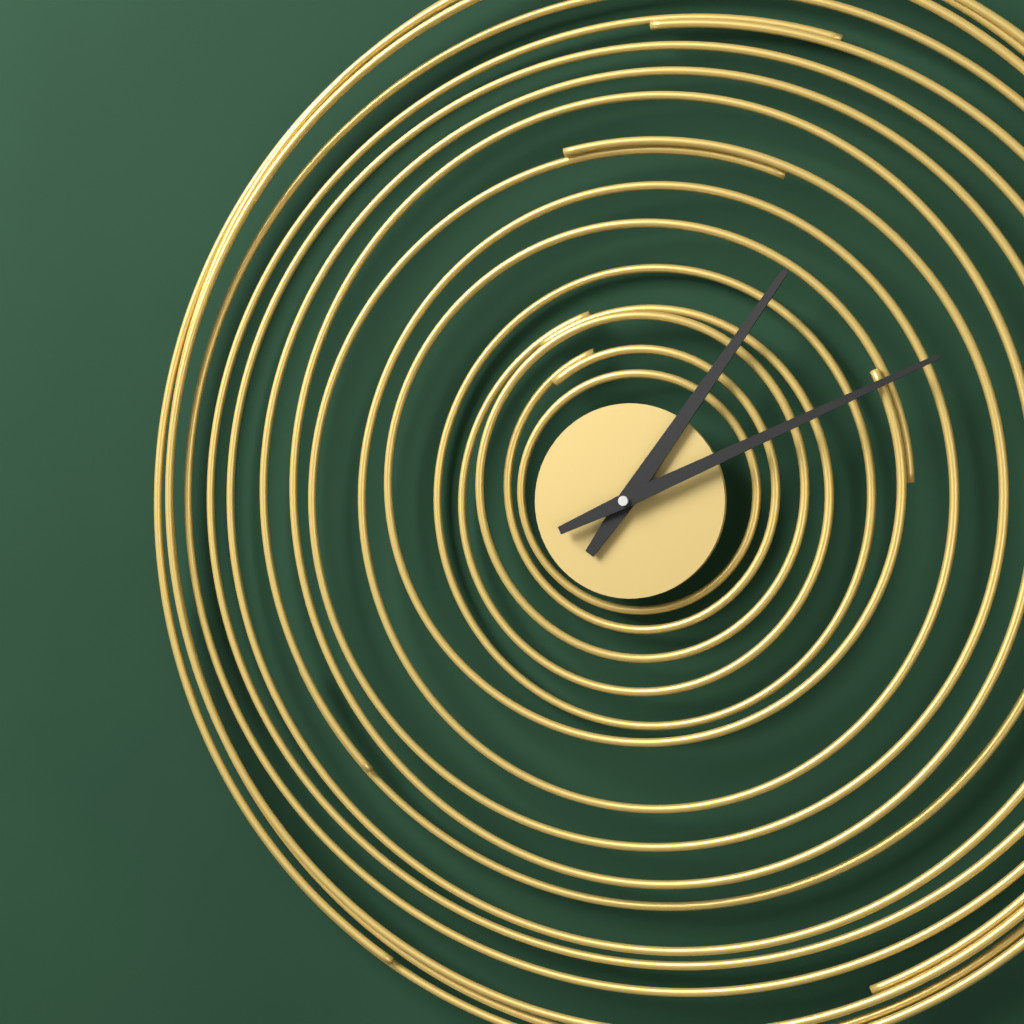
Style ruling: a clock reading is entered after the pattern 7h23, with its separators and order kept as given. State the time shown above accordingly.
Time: 1h11
